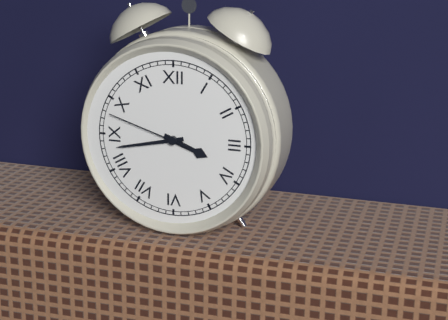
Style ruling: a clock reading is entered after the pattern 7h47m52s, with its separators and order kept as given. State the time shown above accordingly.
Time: 3h43m48s
